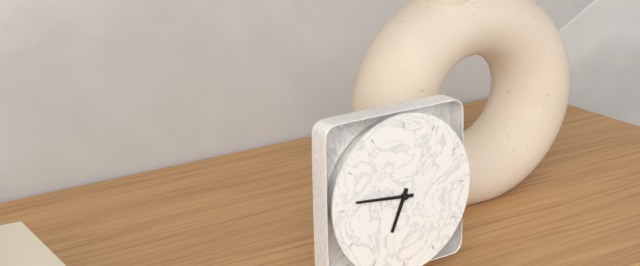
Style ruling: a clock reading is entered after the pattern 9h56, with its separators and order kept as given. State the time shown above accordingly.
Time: 6h46
